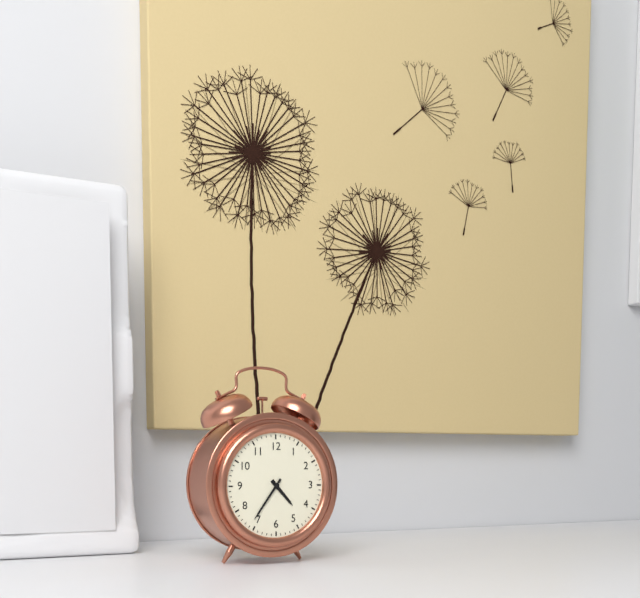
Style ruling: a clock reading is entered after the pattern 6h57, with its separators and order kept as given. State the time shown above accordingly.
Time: 4h36
